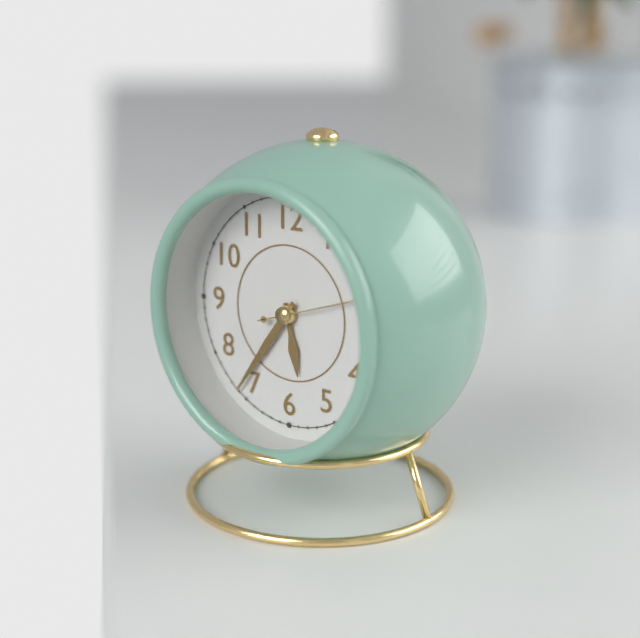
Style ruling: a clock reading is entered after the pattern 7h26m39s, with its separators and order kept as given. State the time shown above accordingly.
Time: 5h36m12s
